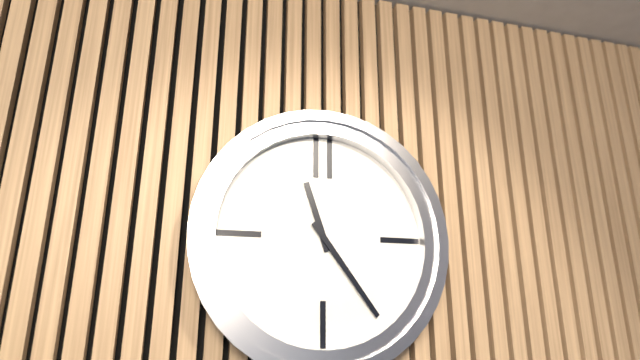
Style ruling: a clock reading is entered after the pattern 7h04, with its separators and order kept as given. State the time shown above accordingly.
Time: 11h24
